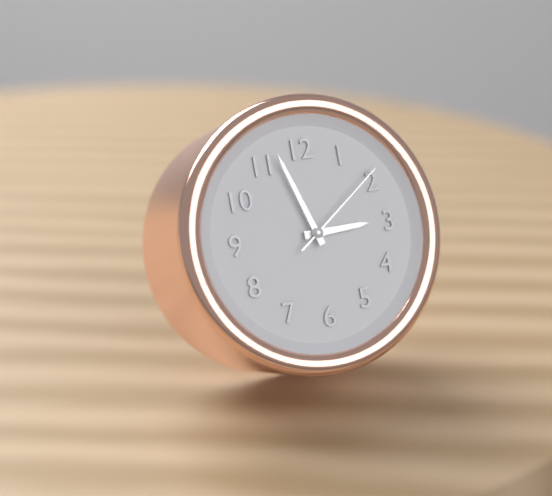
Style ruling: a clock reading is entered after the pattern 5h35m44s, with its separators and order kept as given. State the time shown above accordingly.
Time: 2h57m09s
